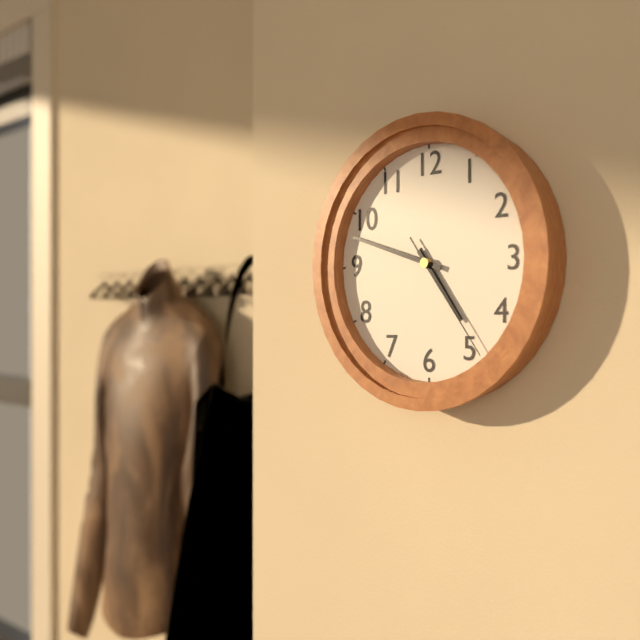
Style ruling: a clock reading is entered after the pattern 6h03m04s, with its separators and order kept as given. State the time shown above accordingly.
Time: 4h48m24s
